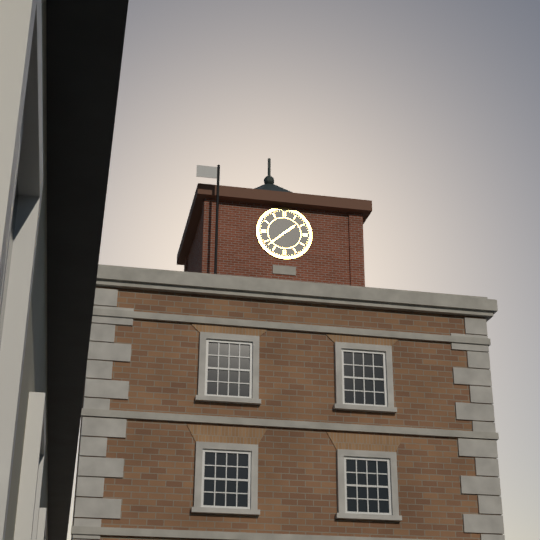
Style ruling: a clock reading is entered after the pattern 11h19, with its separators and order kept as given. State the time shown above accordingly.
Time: 1h38
